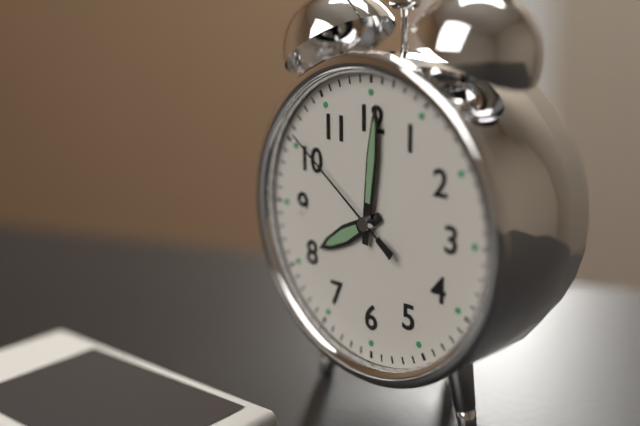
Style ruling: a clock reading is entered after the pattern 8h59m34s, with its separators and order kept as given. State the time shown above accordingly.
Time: 8h01m51s
